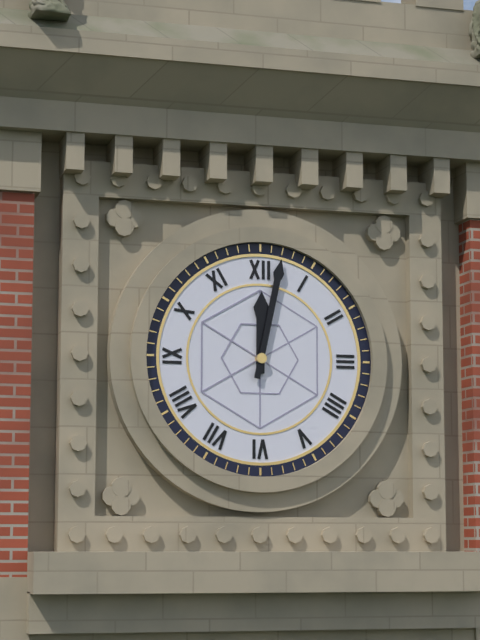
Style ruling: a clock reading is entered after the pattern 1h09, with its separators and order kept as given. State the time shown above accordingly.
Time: 12h02
